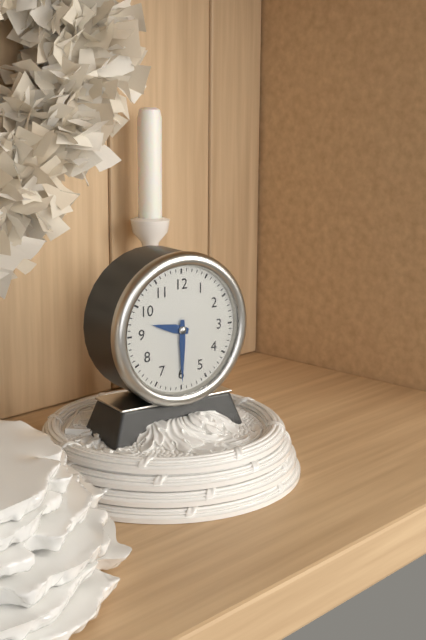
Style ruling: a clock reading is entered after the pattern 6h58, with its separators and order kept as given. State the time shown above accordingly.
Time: 9h30
